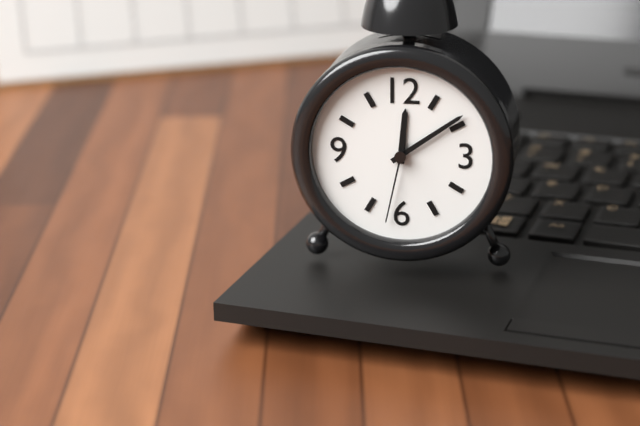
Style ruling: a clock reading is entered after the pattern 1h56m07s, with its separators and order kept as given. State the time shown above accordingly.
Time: 12h09m32s
